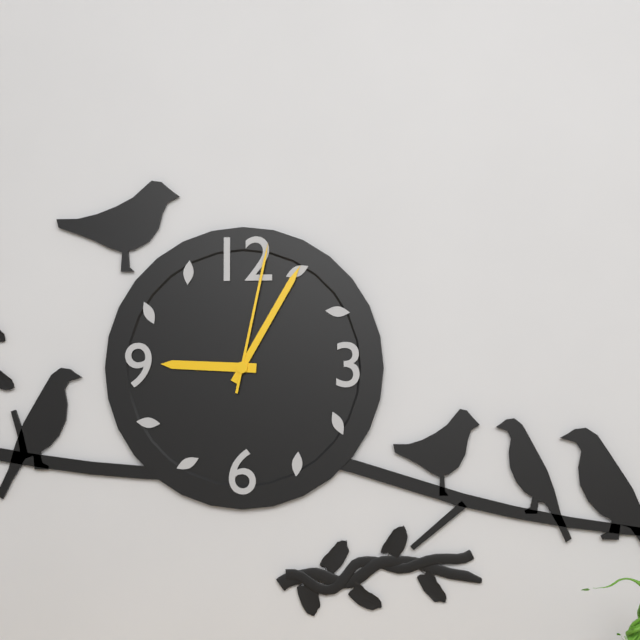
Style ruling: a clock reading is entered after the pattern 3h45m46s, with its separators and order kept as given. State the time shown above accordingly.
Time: 9h05m02s
